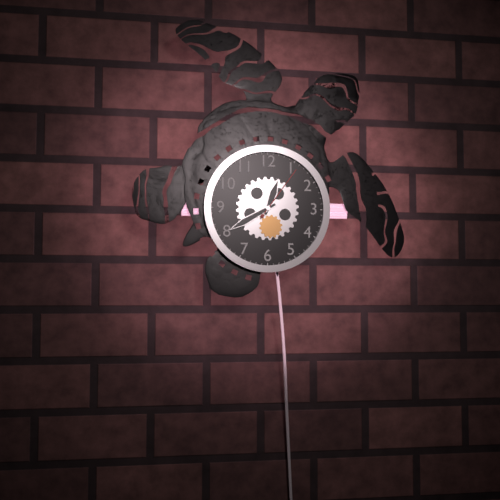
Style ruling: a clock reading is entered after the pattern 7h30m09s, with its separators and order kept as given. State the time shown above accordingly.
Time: 12h40m06s
